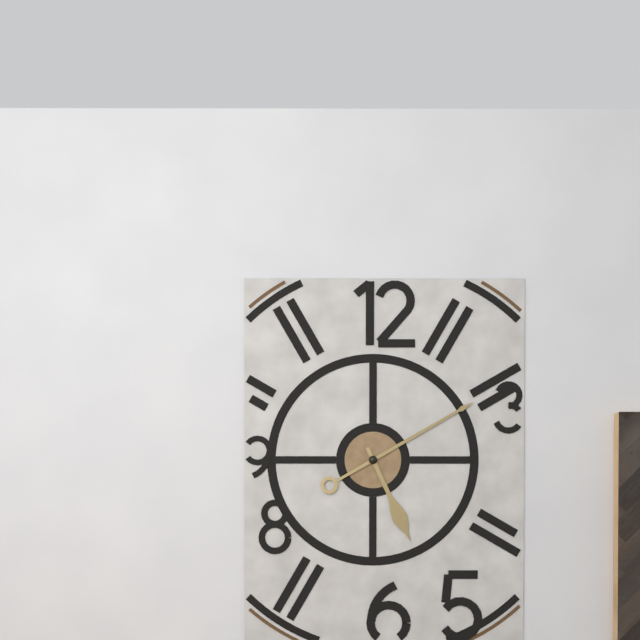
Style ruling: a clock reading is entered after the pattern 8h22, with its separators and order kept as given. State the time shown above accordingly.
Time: 5h10
